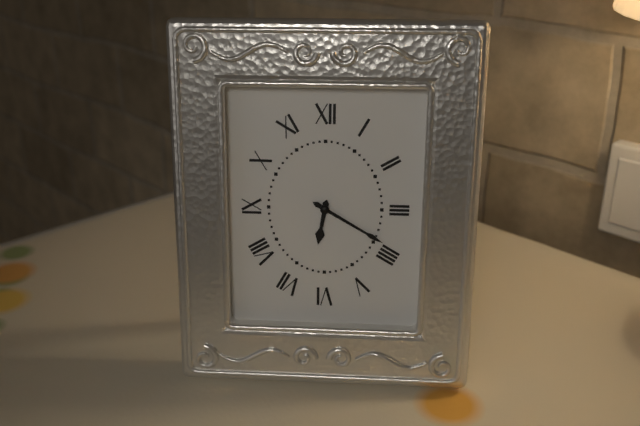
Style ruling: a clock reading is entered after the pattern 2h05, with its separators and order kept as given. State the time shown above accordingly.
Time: 6h20
